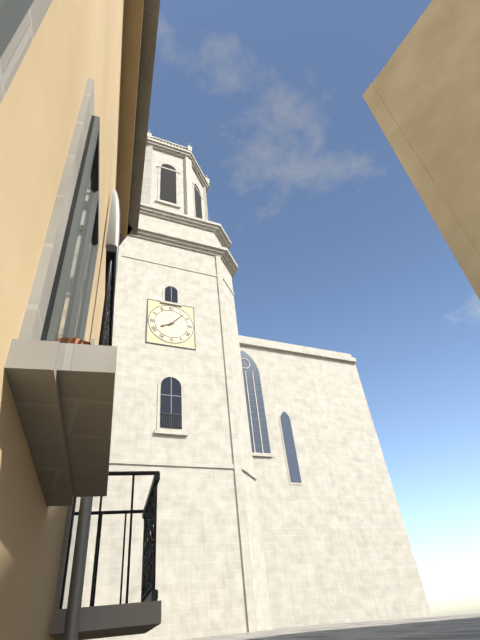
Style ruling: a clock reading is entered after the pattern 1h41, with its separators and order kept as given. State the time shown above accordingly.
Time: 8h07
